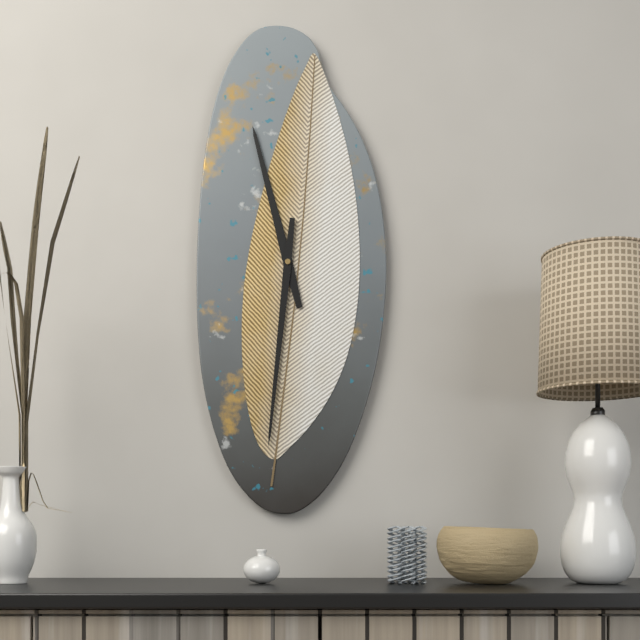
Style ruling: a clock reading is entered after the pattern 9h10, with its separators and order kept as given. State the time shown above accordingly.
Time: 11h31
